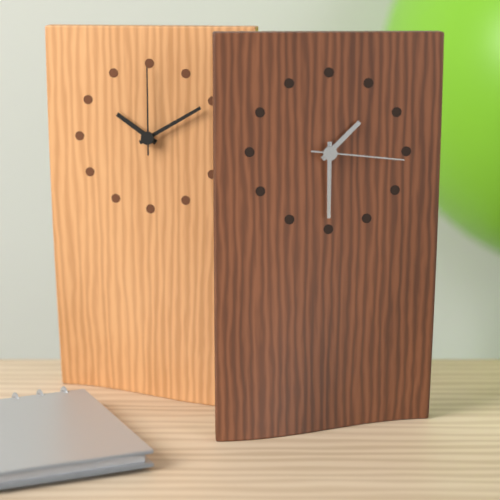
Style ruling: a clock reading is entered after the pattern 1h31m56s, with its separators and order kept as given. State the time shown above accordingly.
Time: 1h30m16s
